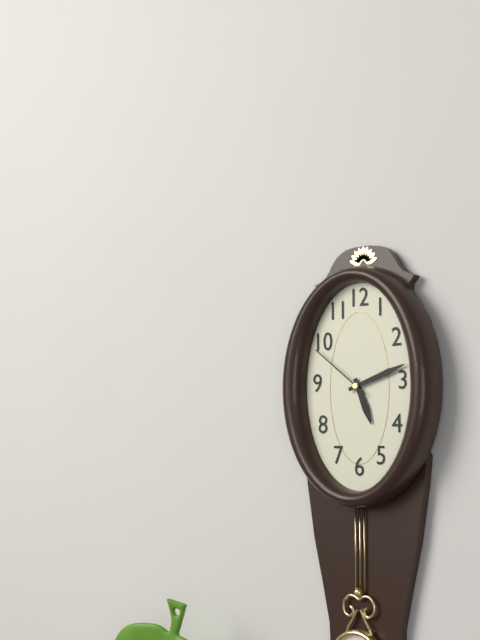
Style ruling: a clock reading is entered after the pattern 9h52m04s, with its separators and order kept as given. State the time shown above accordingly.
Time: 5h12m51s
